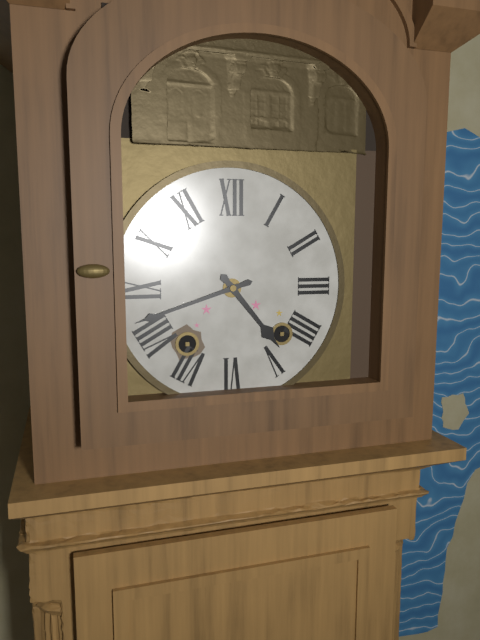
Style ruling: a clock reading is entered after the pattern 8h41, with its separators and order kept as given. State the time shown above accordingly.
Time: 4h42
